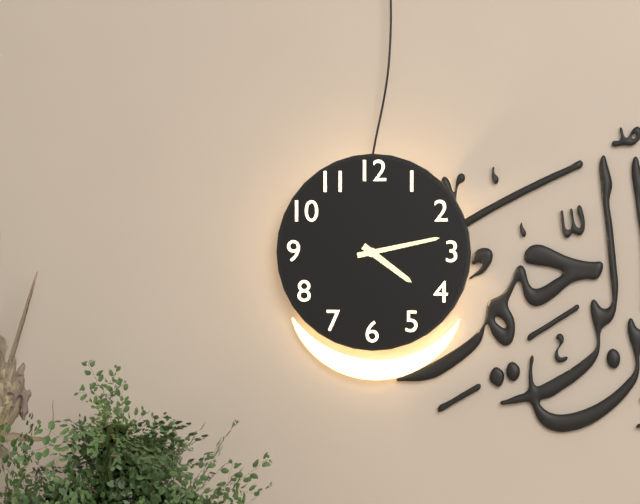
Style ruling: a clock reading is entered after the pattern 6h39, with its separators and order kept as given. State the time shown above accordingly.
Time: 4h13
